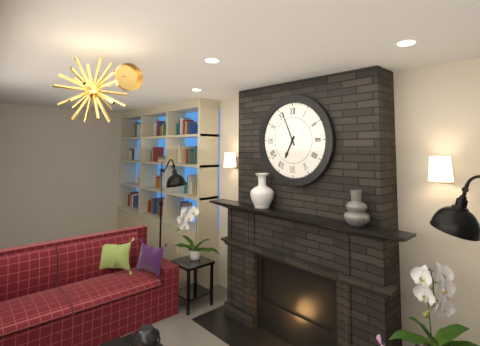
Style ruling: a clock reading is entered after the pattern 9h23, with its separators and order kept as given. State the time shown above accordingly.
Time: 6h56
